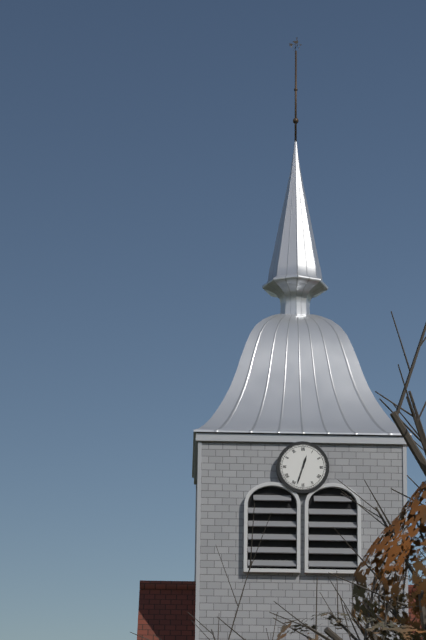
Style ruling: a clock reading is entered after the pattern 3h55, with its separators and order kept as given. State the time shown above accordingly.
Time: 12h33
